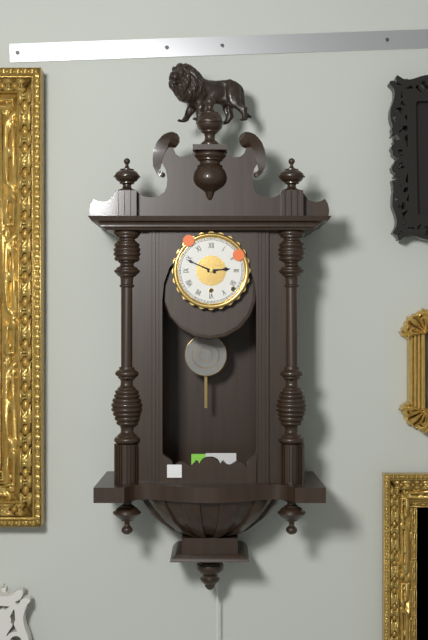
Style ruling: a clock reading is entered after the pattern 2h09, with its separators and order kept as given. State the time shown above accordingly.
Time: 2h49
